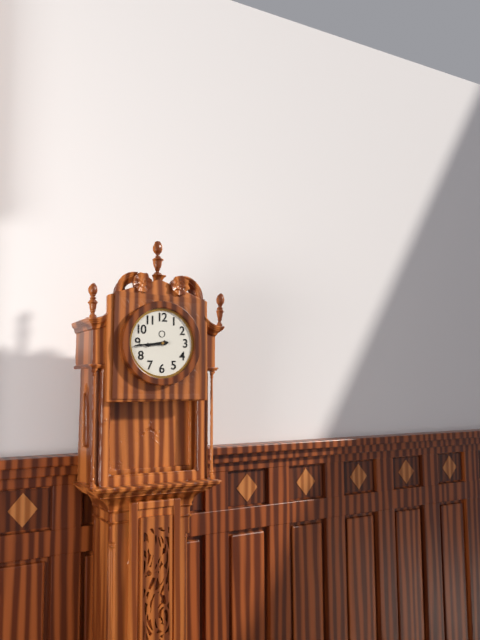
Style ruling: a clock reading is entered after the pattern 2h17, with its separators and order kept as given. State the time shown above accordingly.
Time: 8h44
